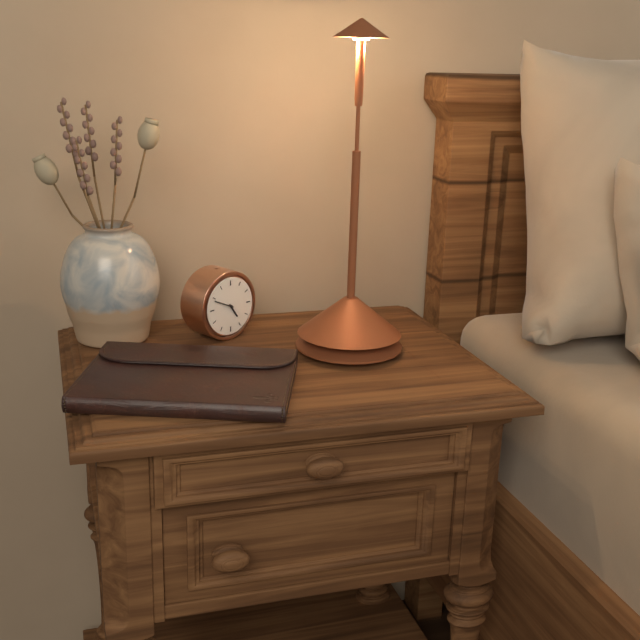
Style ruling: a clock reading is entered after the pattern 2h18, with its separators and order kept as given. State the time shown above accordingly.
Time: 4h49
